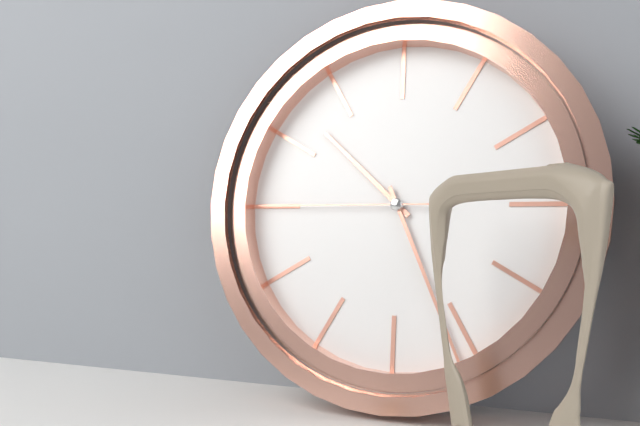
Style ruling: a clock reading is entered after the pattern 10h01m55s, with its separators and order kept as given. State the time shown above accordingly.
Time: 10h26m45s
